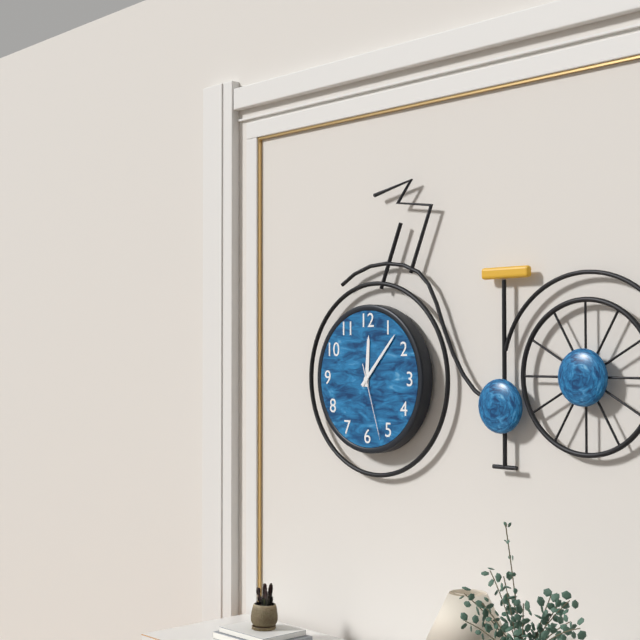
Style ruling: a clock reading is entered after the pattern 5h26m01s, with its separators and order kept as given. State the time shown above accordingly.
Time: 12h07m27s
